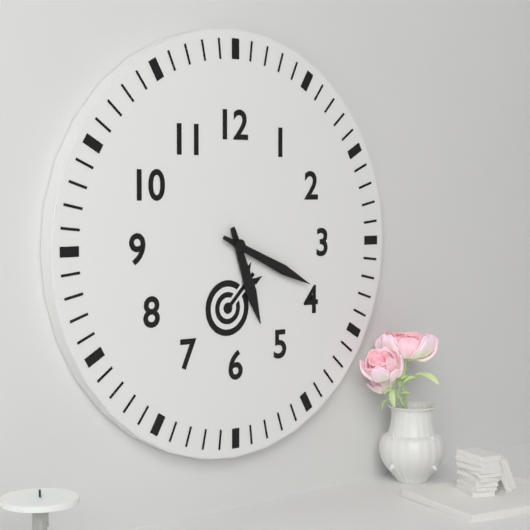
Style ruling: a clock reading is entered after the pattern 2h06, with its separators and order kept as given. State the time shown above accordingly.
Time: 5h19
